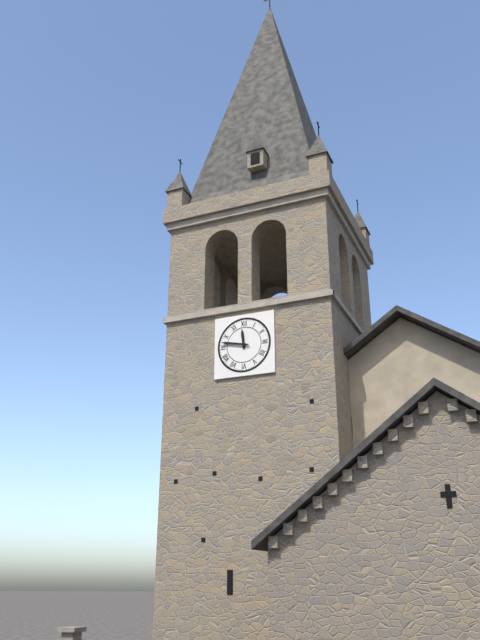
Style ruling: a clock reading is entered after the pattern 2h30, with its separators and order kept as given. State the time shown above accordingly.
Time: 11h47
